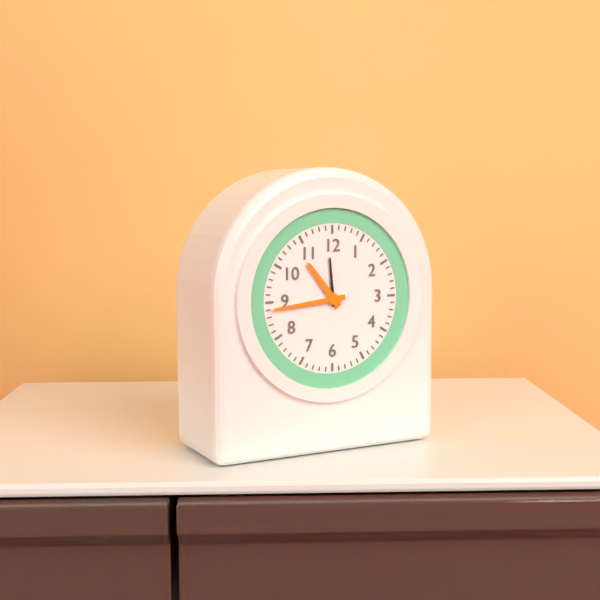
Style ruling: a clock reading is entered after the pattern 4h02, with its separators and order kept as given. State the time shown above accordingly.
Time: 10h44
